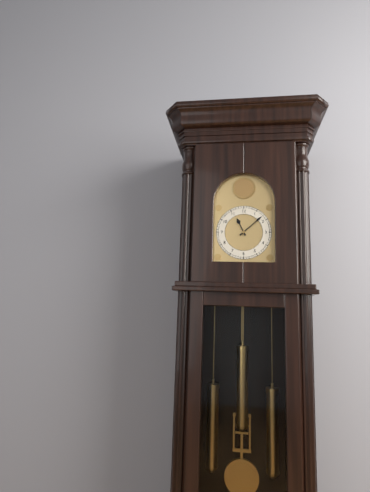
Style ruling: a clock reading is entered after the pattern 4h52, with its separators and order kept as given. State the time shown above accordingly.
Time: 11h08
